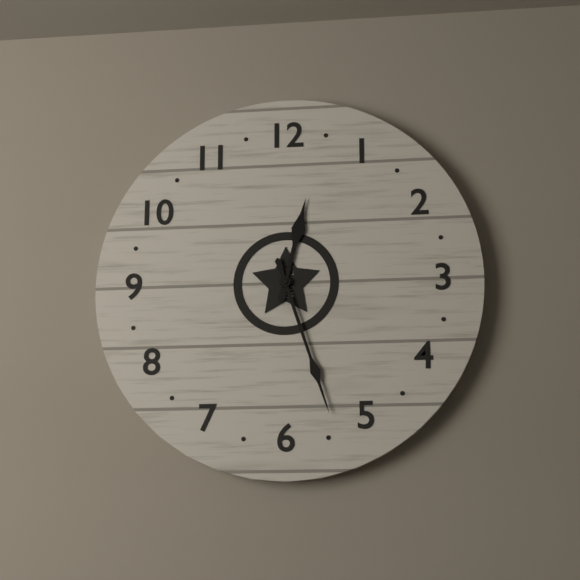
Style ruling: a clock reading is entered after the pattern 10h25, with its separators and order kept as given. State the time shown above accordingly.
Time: 12h27
